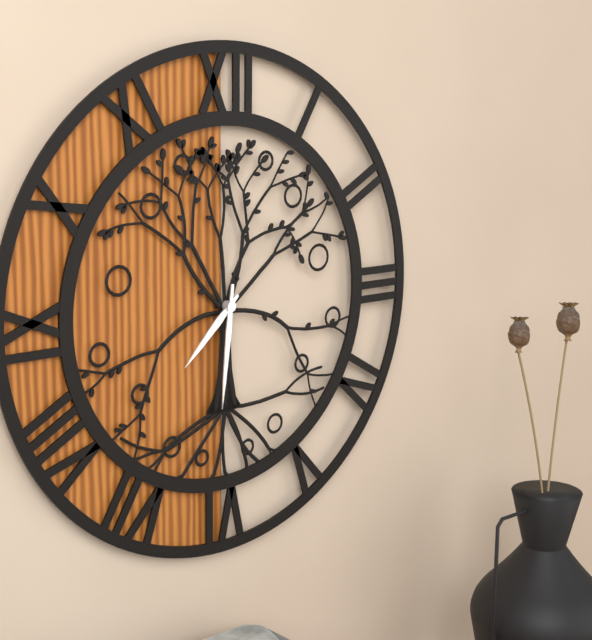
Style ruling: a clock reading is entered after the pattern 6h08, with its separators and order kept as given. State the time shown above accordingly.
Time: 7h31
